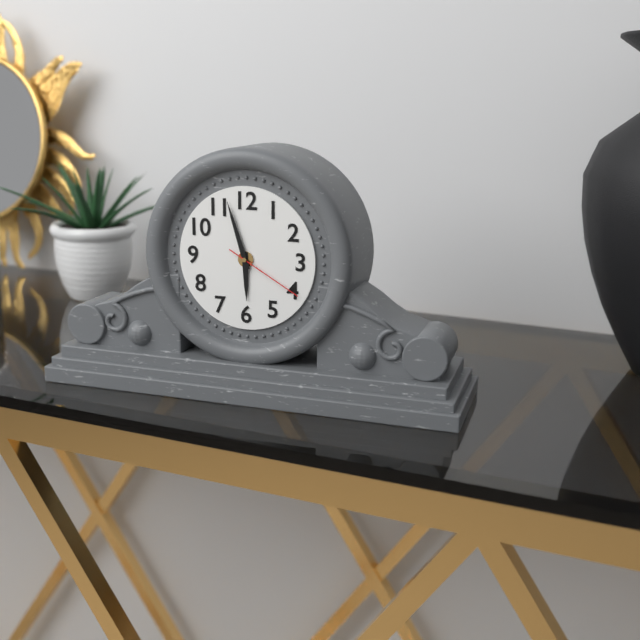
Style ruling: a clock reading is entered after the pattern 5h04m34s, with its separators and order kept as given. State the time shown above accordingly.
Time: 5h57m20s
